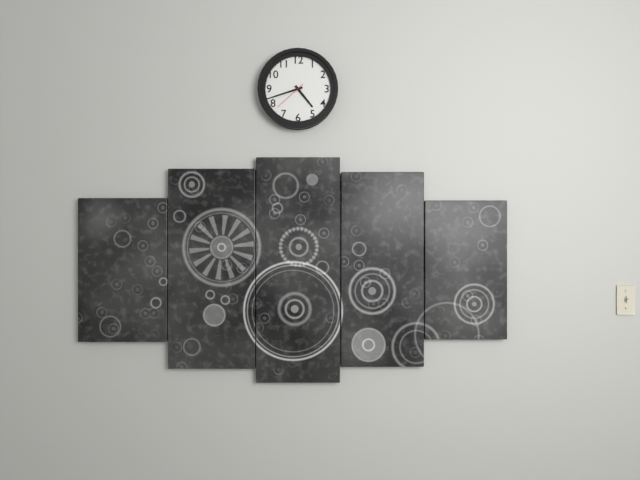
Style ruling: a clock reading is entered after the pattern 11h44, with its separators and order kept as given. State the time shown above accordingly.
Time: 4h42
